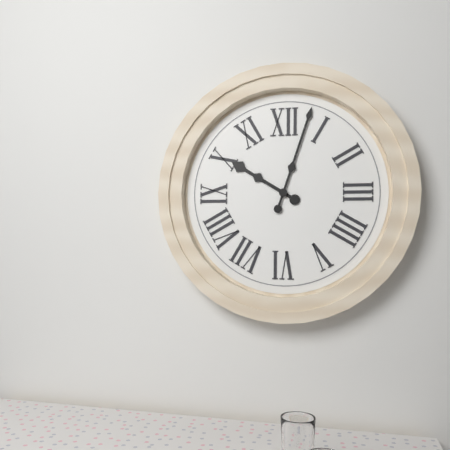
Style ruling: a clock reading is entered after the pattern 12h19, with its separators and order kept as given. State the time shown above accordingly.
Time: 10h03
